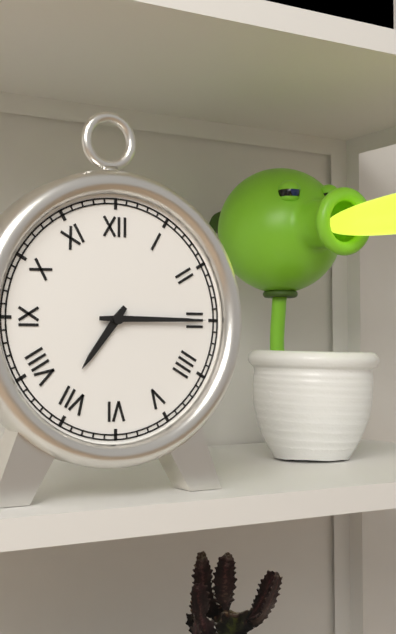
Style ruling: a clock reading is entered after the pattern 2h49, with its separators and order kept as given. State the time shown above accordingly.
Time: 7h15
